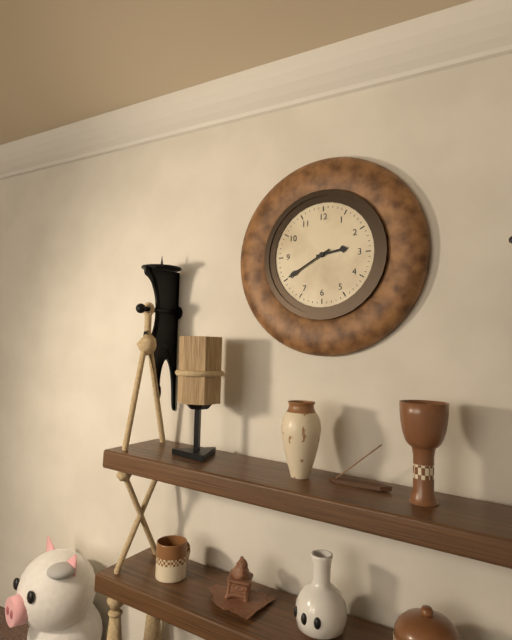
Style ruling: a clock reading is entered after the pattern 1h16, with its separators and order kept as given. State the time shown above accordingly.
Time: 2h40
